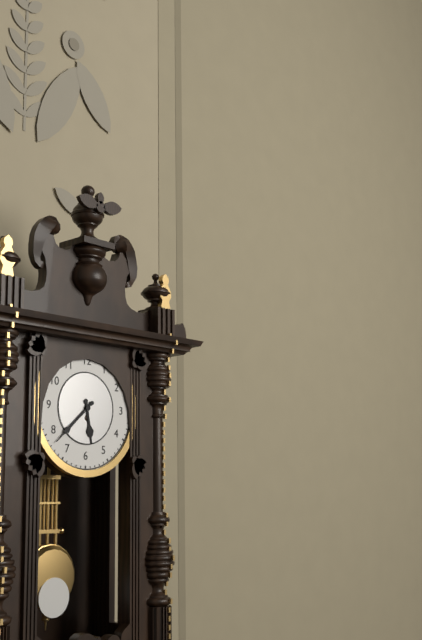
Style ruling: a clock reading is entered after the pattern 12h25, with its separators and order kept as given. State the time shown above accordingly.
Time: 5h38
